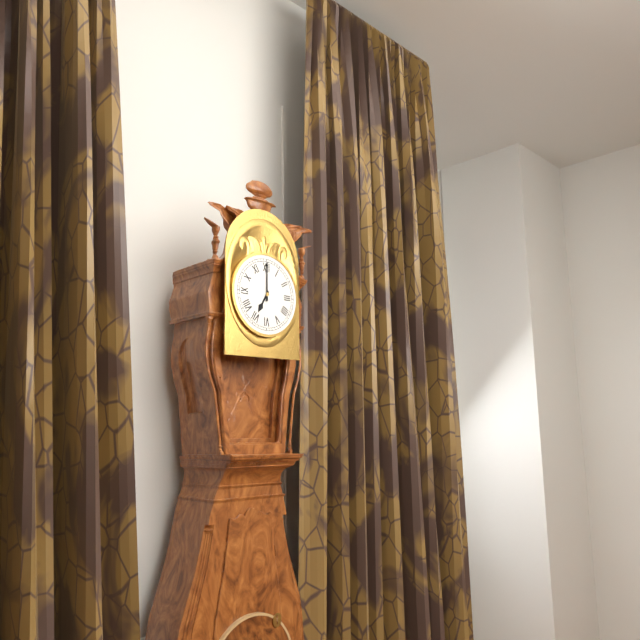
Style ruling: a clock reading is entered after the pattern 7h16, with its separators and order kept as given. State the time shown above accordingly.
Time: 7h00
